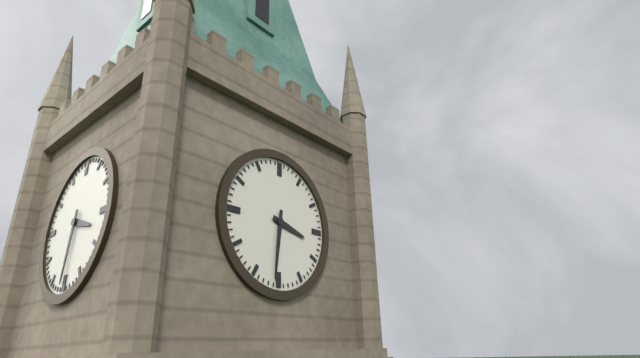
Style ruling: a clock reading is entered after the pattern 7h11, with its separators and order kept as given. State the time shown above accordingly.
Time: 3h31
